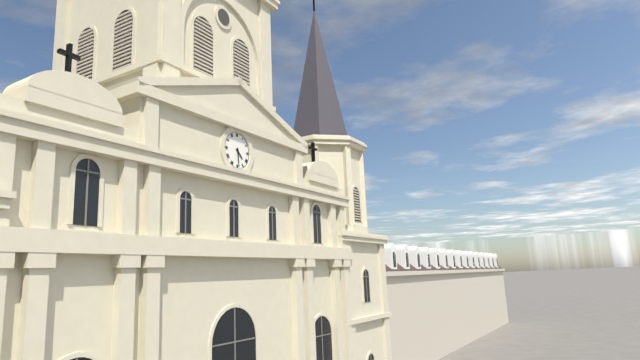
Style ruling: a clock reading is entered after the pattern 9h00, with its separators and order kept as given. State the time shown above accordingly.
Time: 4h29
